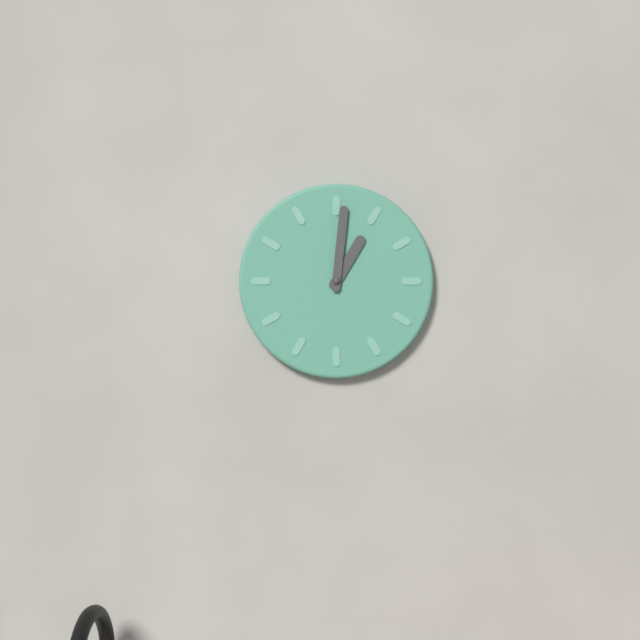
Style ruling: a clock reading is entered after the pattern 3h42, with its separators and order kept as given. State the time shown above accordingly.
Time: 1h01
